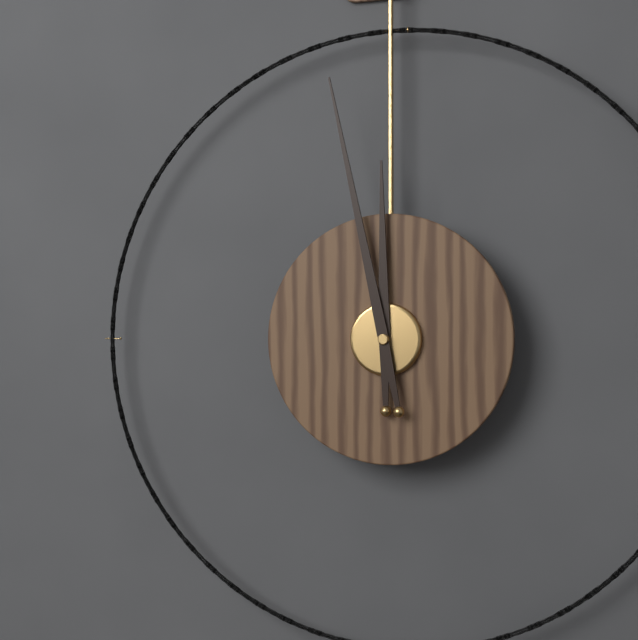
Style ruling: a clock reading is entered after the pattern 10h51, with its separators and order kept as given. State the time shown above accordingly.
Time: 11h58
